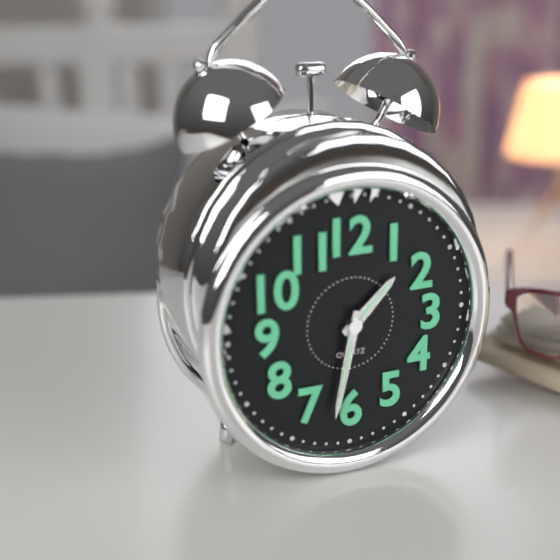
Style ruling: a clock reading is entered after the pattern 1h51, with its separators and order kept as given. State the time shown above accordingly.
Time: 1h32
